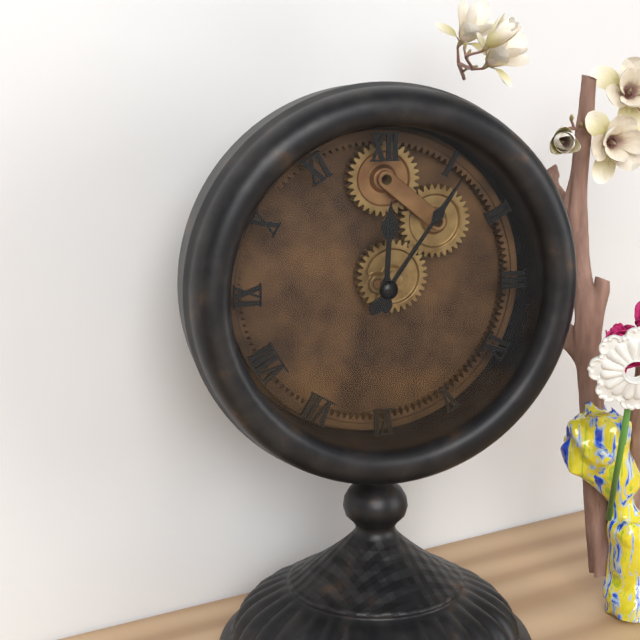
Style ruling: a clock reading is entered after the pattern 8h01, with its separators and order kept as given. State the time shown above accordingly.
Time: 12h06
